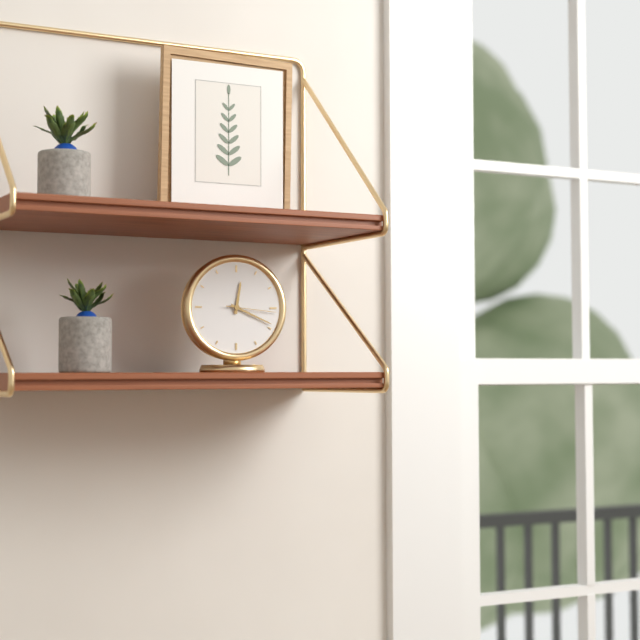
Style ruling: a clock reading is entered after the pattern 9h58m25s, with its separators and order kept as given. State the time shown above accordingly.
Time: 12h19m16s
